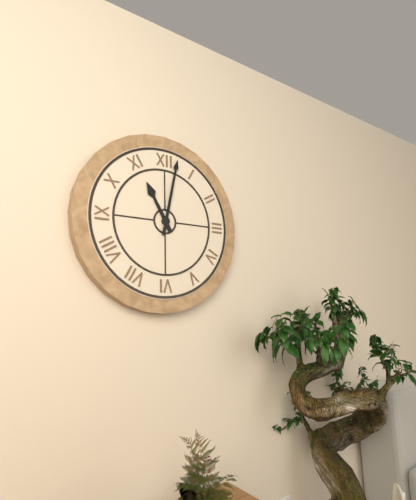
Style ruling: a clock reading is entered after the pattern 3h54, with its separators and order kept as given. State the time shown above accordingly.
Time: 11h02
